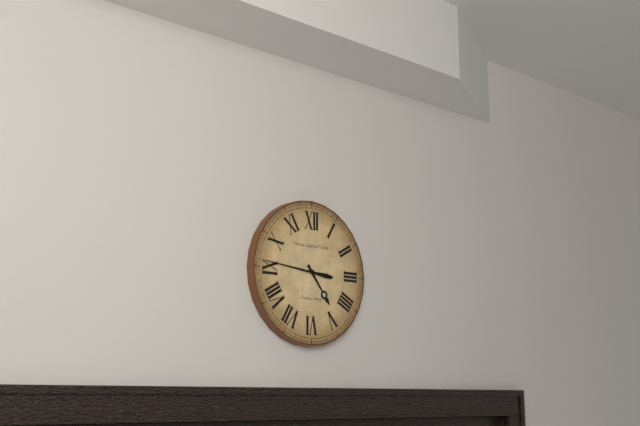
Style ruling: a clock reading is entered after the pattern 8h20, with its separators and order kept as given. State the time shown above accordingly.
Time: 4h46
